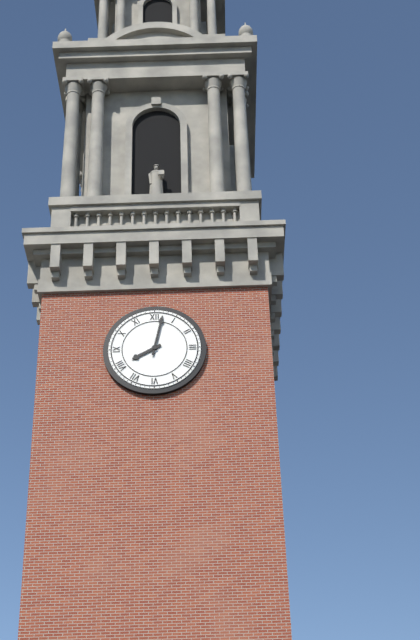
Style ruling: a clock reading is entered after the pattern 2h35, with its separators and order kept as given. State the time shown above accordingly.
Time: 8h02
